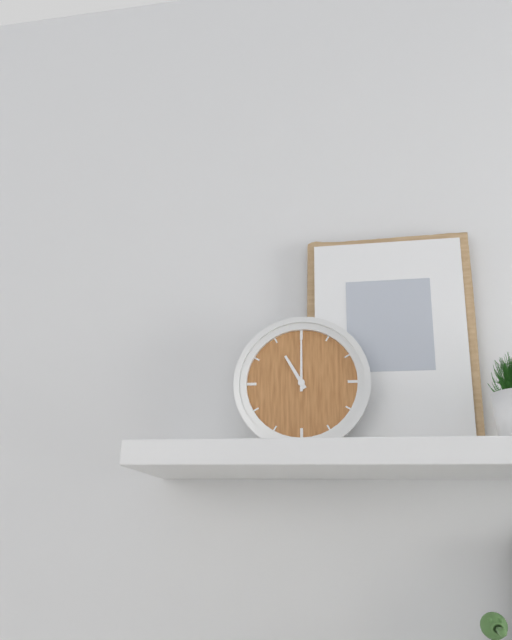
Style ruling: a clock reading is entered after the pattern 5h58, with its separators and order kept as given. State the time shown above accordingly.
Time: 11h00
